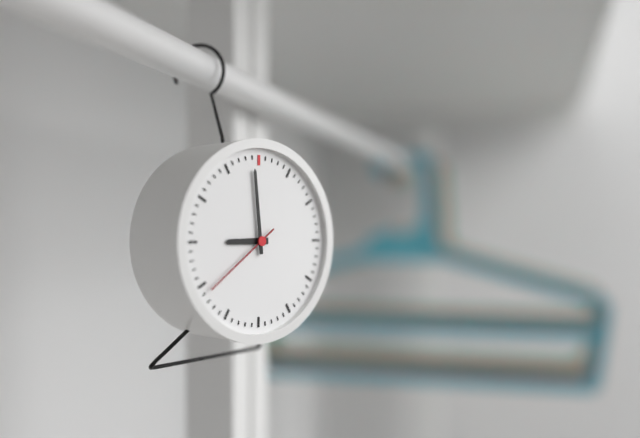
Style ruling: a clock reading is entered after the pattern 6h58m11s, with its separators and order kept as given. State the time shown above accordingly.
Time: 8h59m39s
